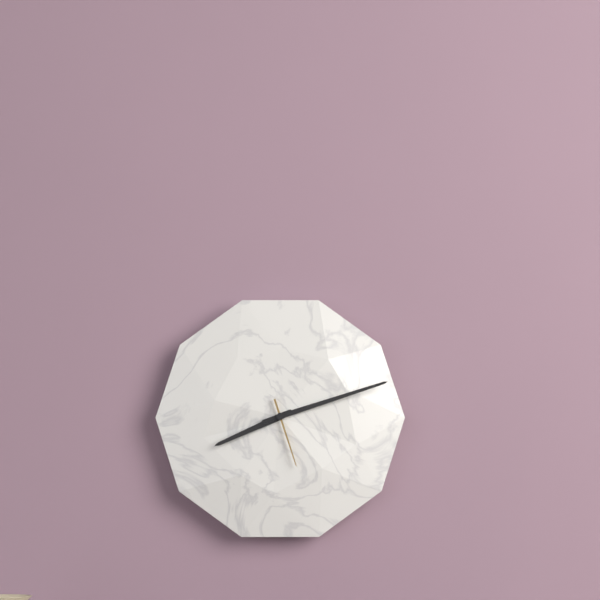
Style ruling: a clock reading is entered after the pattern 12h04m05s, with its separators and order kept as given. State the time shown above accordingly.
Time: 8h12m27s
